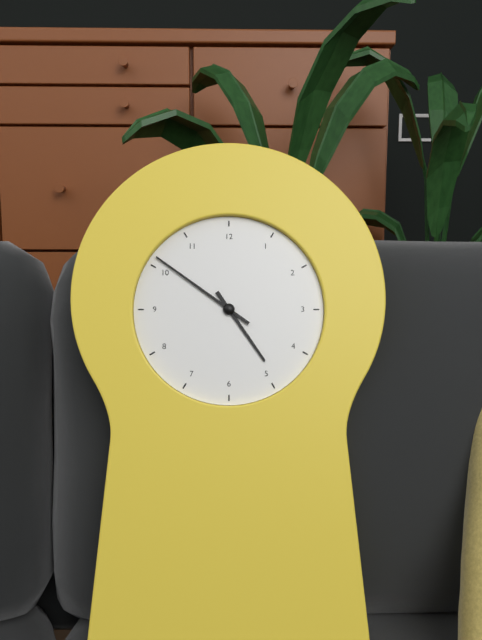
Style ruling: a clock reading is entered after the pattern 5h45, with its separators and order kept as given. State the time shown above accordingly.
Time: 4h51
